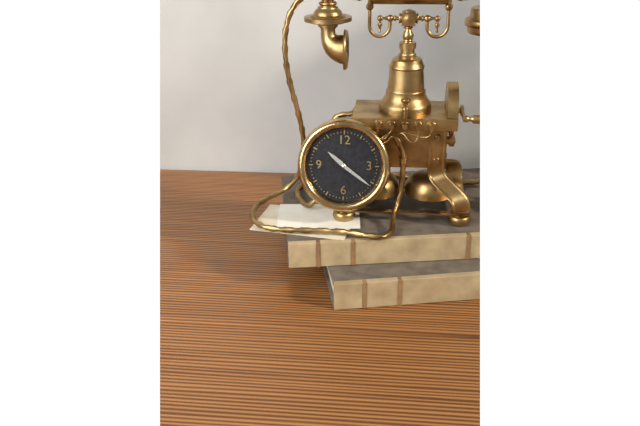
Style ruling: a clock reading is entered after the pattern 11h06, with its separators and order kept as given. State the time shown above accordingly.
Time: 10h21
